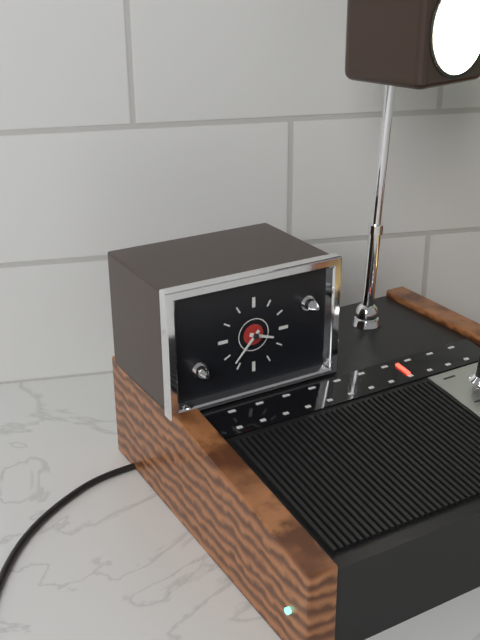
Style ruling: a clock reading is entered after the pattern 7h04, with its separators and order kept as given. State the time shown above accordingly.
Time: 3h37
